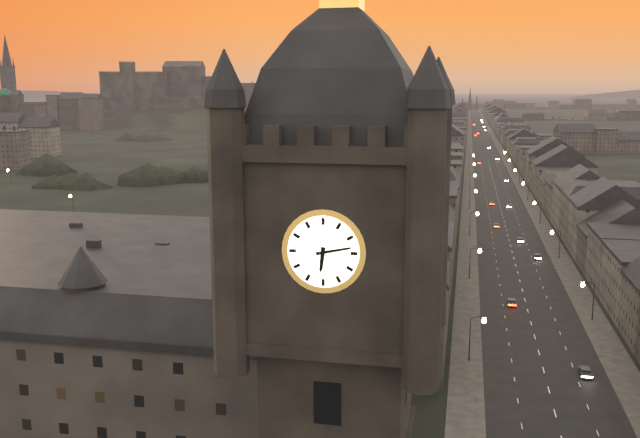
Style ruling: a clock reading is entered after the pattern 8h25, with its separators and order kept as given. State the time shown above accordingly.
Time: 6h13
